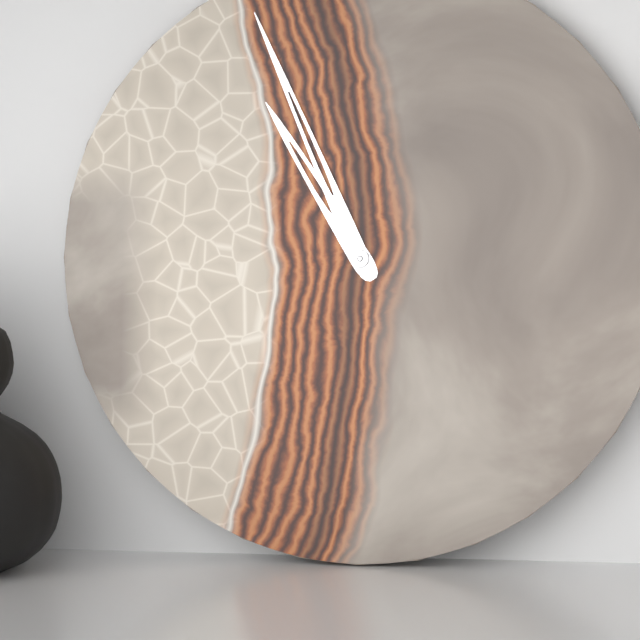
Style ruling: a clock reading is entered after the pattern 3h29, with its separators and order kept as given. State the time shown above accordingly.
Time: 10h56
